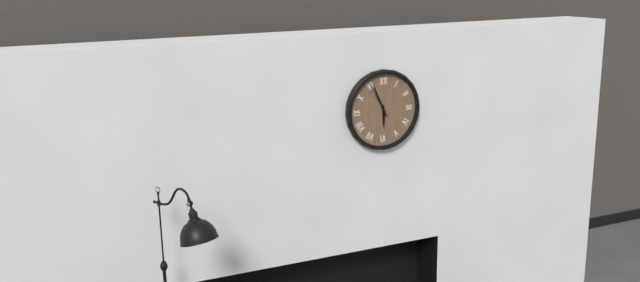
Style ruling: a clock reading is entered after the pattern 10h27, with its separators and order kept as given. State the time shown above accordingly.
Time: 5h56
